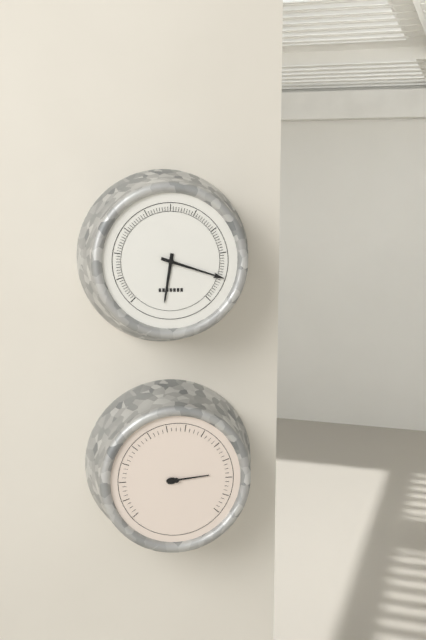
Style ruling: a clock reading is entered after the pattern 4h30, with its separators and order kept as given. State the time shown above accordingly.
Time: 6h18
